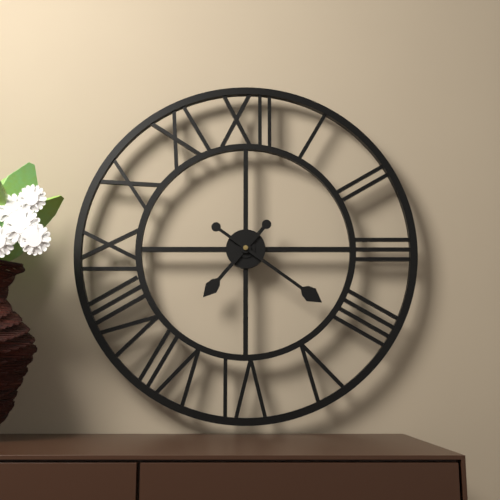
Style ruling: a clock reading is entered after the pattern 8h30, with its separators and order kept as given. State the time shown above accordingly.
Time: 7h21
